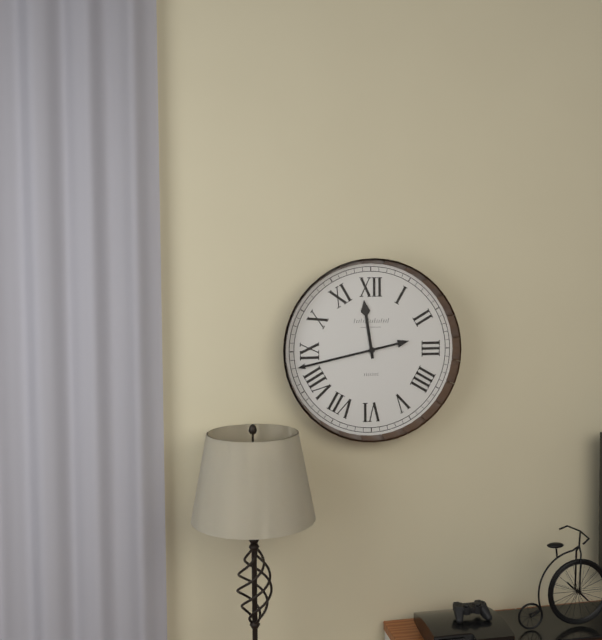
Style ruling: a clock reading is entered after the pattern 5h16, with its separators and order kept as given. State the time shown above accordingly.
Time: 11h43
